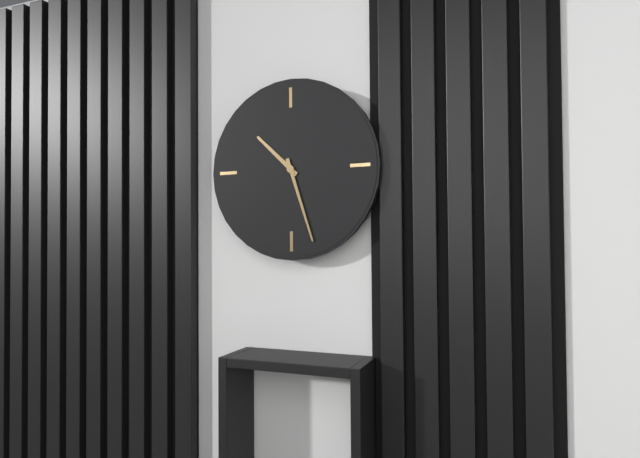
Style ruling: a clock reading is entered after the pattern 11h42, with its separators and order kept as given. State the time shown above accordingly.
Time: 10h27
